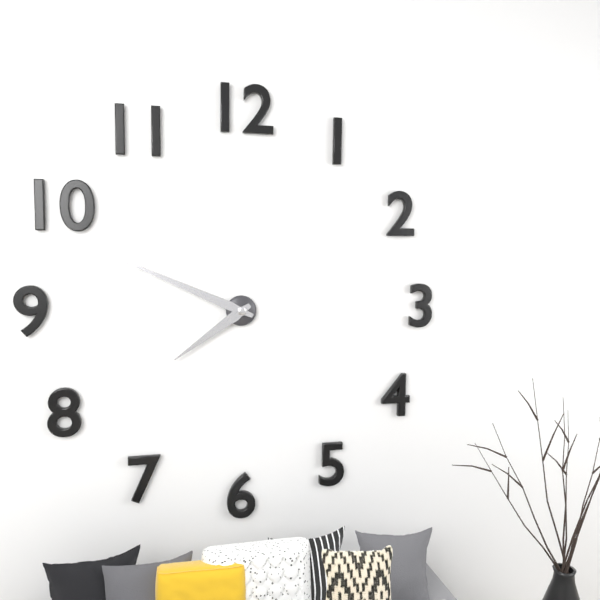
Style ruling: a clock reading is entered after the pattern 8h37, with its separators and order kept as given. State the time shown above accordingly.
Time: 7h49
